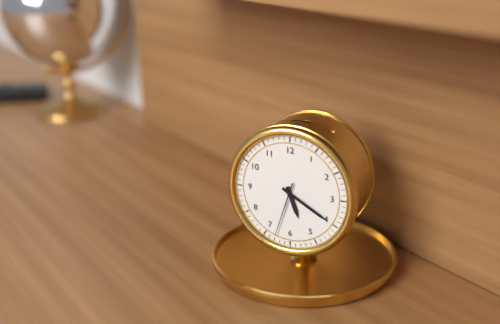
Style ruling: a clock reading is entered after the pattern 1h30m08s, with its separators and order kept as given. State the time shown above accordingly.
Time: 5h20m33s
